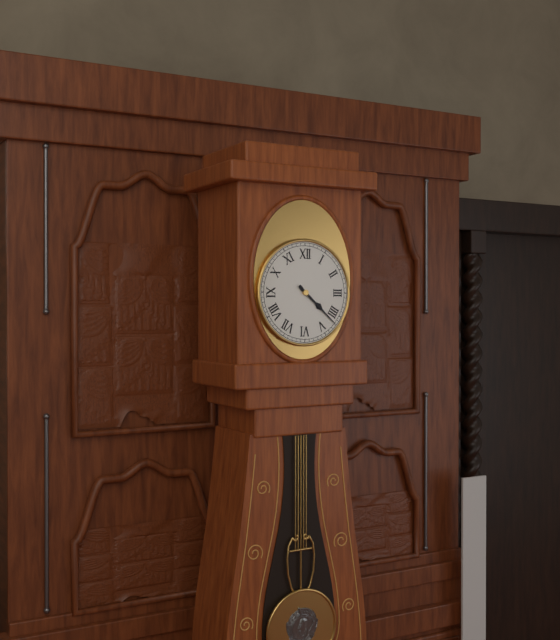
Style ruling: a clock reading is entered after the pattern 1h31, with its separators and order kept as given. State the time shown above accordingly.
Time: 4h22
